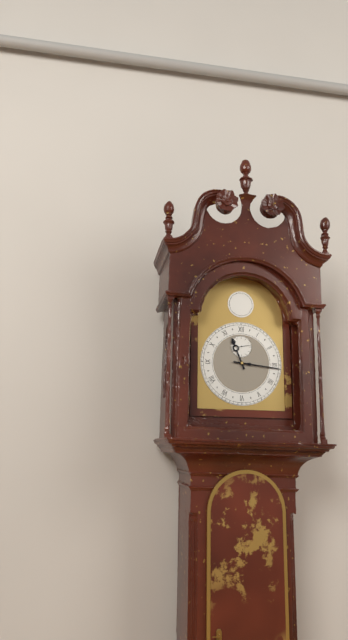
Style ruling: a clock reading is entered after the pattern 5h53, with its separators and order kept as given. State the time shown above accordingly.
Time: 11h16
